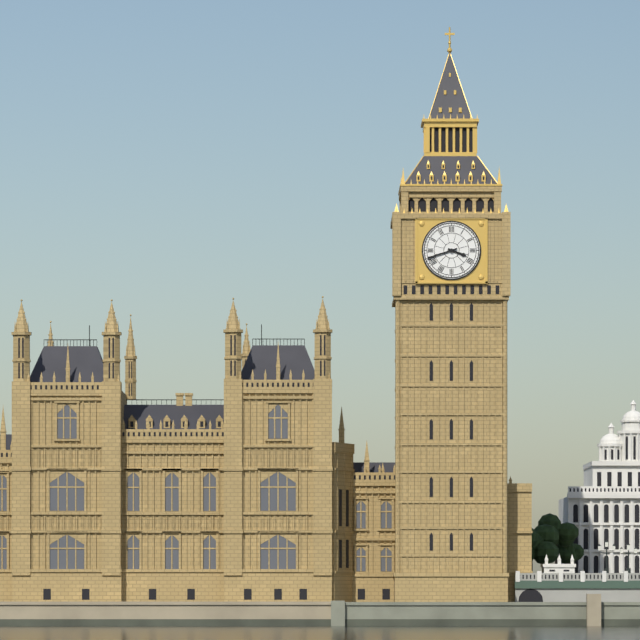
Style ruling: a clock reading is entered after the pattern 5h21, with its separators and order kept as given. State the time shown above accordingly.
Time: 3h42
